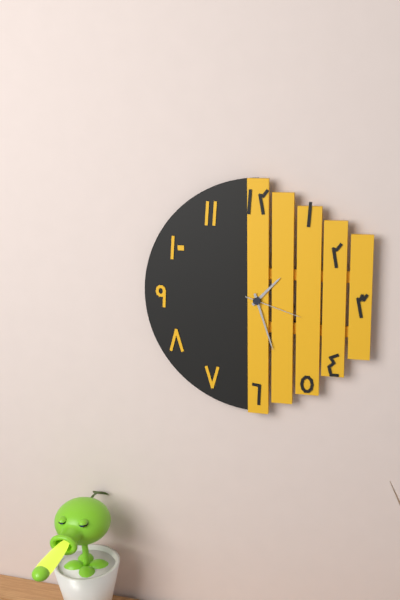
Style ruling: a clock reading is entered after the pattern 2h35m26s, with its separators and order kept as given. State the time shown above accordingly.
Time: 1h27m18s
